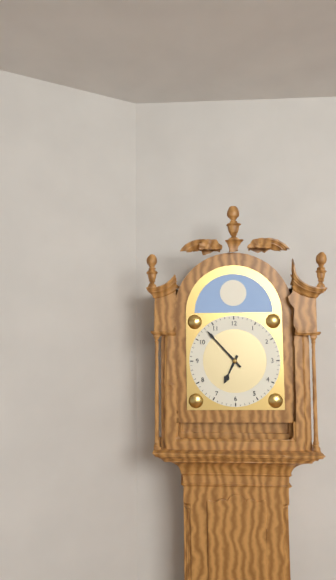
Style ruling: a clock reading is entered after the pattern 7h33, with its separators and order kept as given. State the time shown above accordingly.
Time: 6h53
